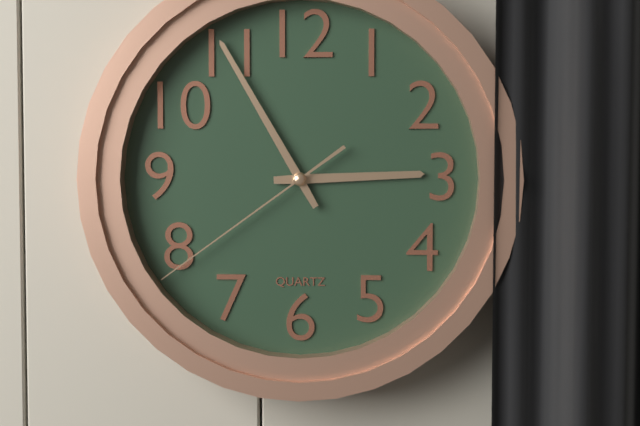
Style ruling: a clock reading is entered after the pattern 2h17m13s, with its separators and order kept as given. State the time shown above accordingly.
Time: 2h55m39s
